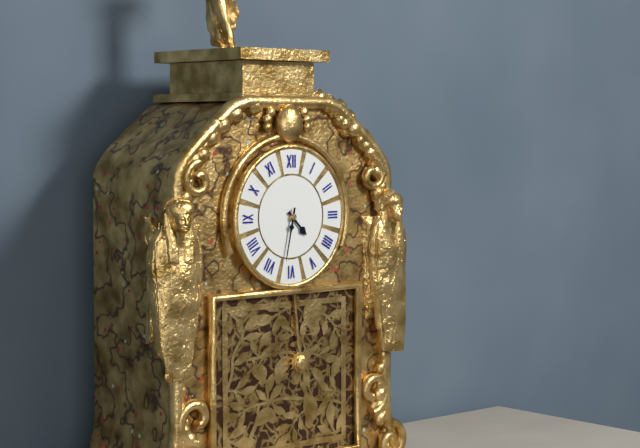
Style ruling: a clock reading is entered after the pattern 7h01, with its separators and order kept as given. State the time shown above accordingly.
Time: 4h32
